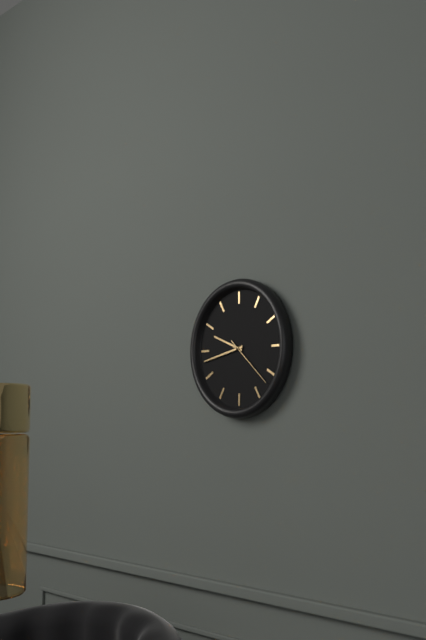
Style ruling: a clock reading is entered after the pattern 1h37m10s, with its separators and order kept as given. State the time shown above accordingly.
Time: 9h43m22s
